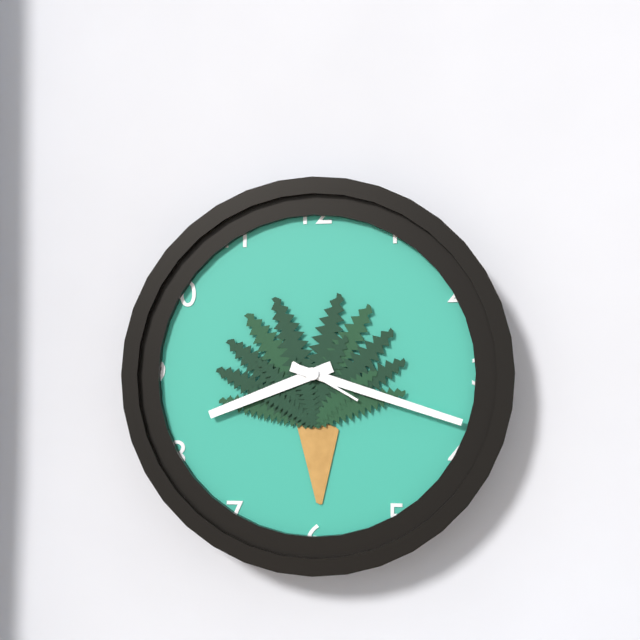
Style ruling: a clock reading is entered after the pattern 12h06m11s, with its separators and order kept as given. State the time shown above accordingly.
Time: 8h18m20s
